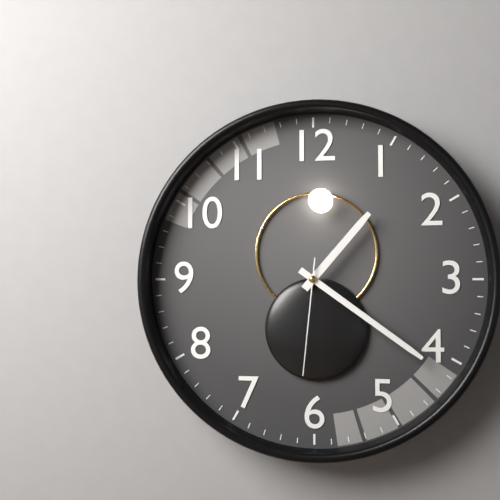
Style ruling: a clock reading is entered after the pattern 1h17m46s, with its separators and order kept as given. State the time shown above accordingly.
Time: 1h21m31s
